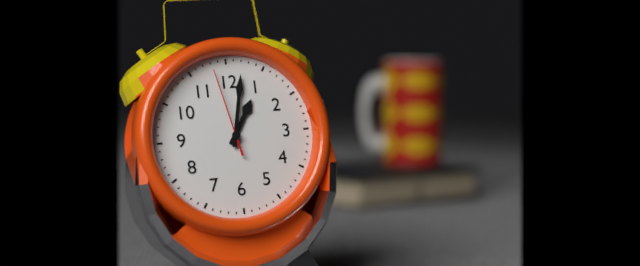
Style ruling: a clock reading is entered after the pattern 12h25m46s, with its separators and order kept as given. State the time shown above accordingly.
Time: 1h02m58s
